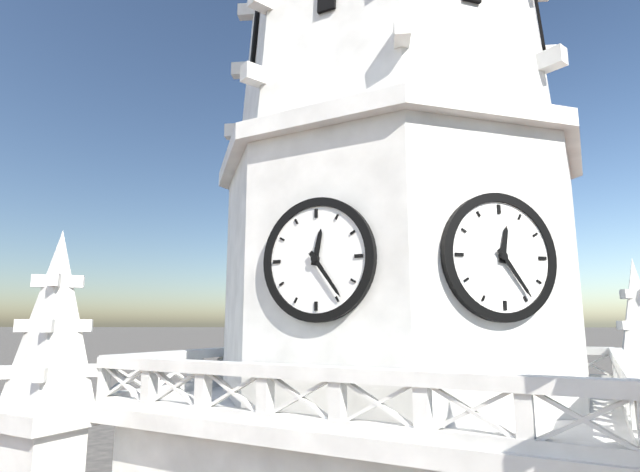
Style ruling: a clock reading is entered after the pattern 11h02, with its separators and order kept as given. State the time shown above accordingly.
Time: 12h24
